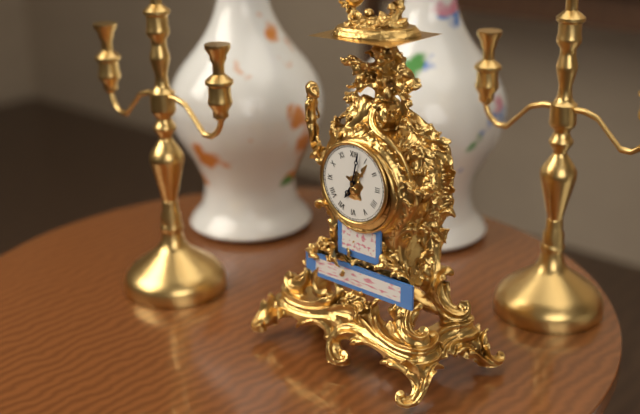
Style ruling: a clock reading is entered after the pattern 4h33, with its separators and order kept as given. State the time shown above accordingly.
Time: 7h02
